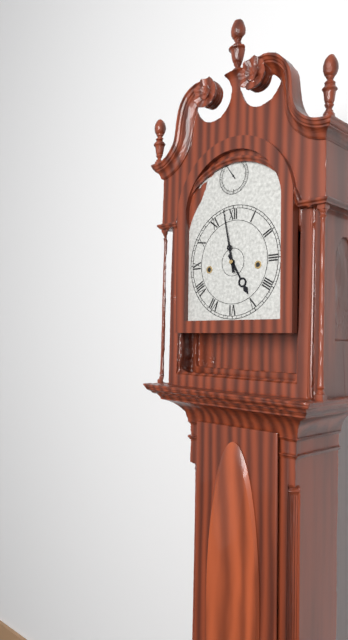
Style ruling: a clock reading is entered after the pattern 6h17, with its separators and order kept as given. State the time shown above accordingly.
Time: 4h58
